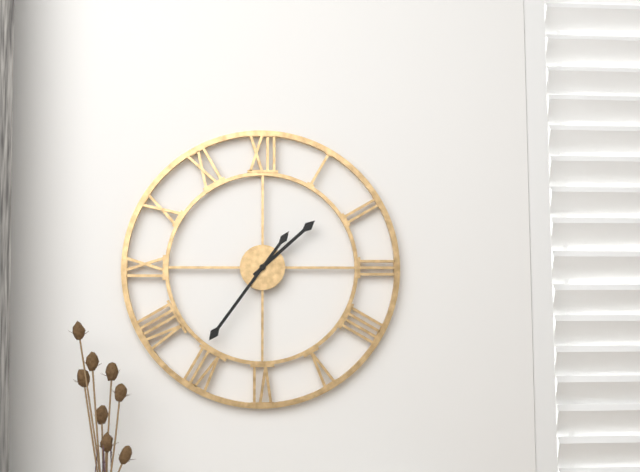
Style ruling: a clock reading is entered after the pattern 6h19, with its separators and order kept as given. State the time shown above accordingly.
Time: 1h36
